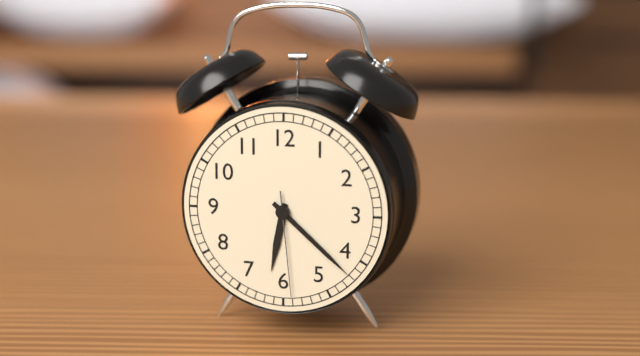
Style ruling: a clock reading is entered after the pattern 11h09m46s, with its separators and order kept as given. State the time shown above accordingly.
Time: 6h22m29s
